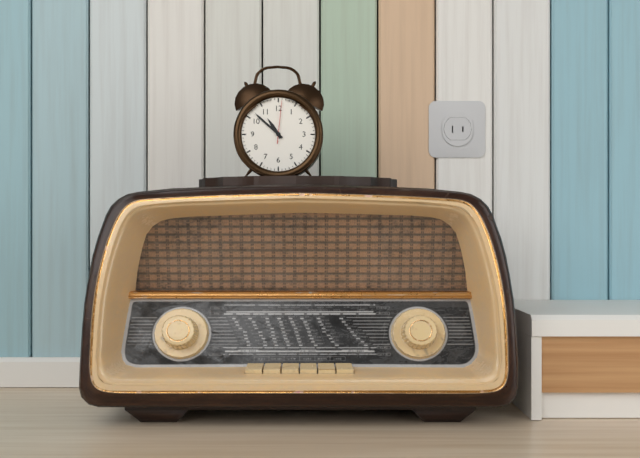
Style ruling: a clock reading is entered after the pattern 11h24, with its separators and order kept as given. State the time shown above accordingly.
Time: 10h52
